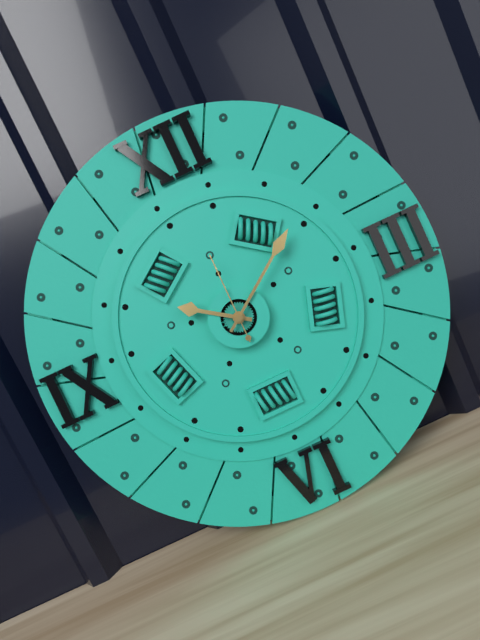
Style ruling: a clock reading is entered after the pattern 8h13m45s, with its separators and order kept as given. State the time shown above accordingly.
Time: 10h09m00s
